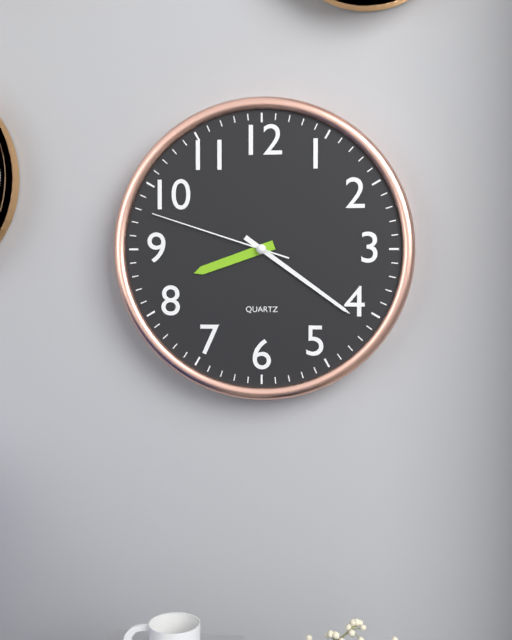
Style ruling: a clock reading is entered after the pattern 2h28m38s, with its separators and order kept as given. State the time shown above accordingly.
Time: 8h21m48s
